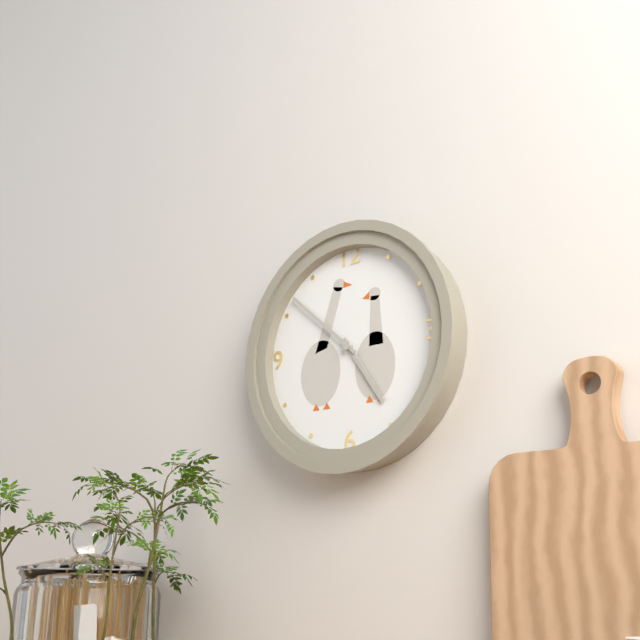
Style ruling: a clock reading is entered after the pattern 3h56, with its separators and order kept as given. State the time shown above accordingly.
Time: 4h52
